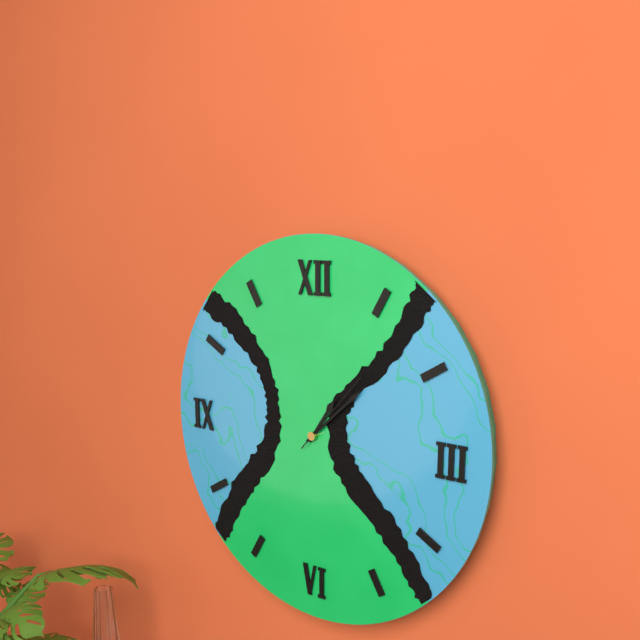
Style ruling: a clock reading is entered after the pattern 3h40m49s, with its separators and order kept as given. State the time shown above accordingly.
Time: 1h08m07s
